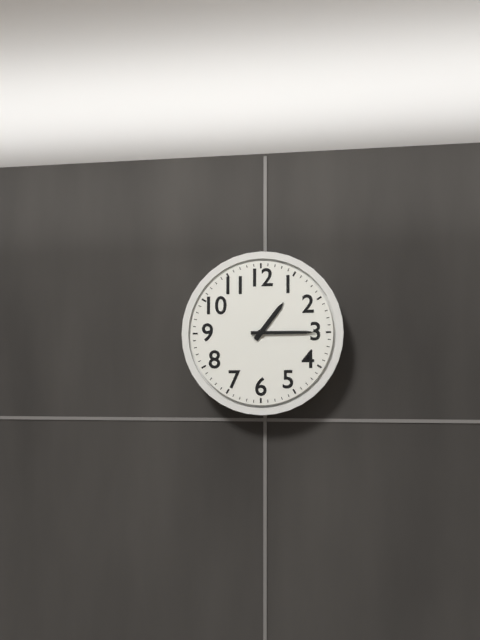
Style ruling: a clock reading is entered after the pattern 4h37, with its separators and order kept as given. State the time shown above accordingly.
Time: 1h15
